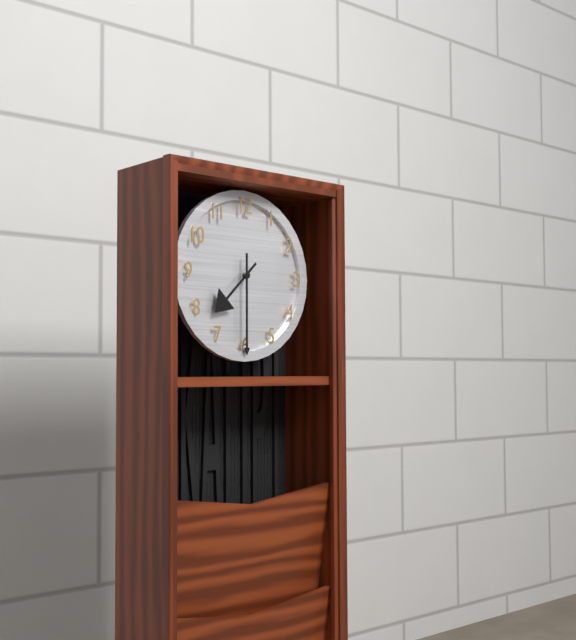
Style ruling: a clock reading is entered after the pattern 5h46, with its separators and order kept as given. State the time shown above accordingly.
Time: 7h30
